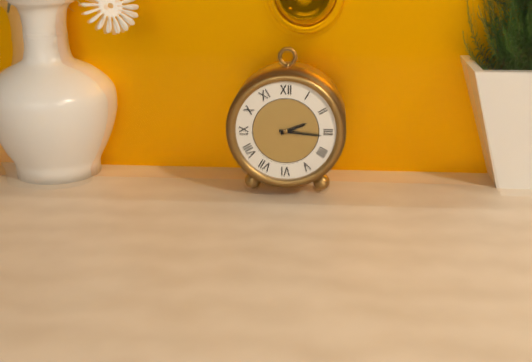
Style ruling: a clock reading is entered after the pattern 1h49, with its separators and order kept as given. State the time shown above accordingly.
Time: 2h16
